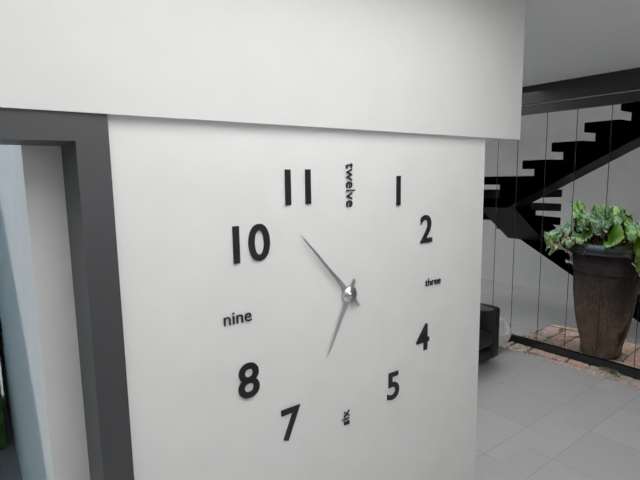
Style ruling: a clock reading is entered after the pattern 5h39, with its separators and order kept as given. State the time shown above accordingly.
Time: 6h53
